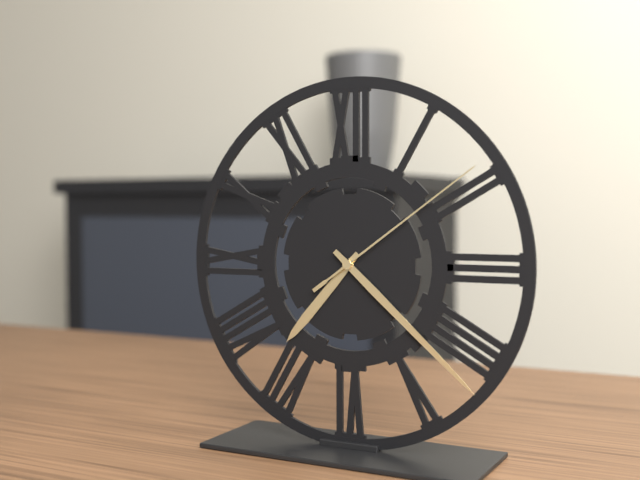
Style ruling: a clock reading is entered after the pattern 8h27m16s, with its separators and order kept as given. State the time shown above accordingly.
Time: 7h22m09s
